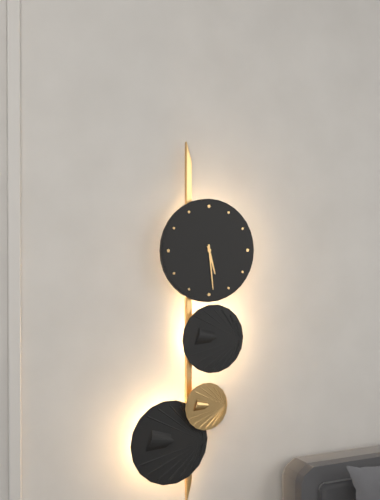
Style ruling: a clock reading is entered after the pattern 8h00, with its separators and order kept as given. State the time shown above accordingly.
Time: 5h29
